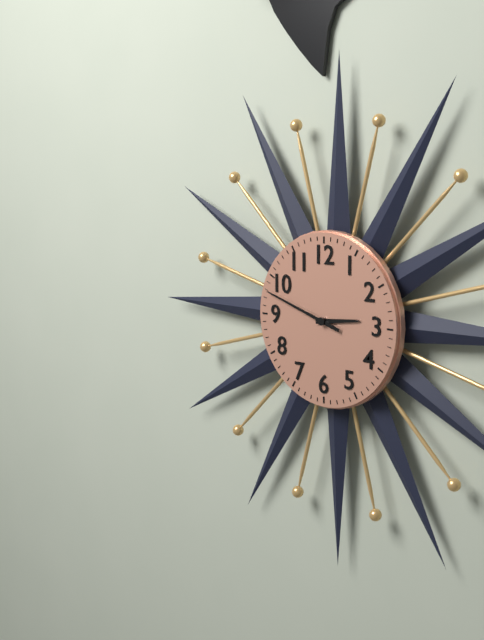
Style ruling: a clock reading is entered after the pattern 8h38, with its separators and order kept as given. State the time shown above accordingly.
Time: 2h48
